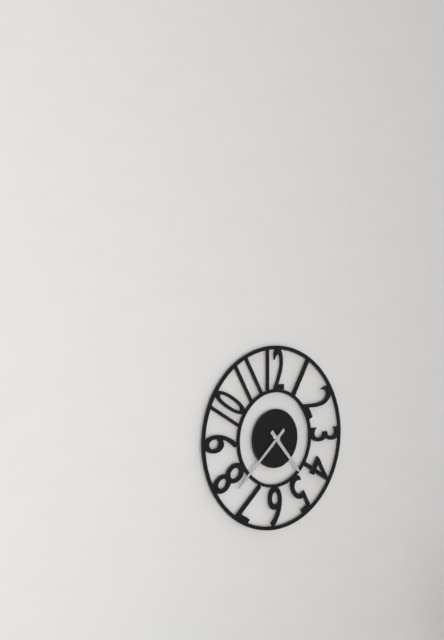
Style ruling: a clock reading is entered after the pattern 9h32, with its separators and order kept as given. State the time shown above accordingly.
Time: 4h38
